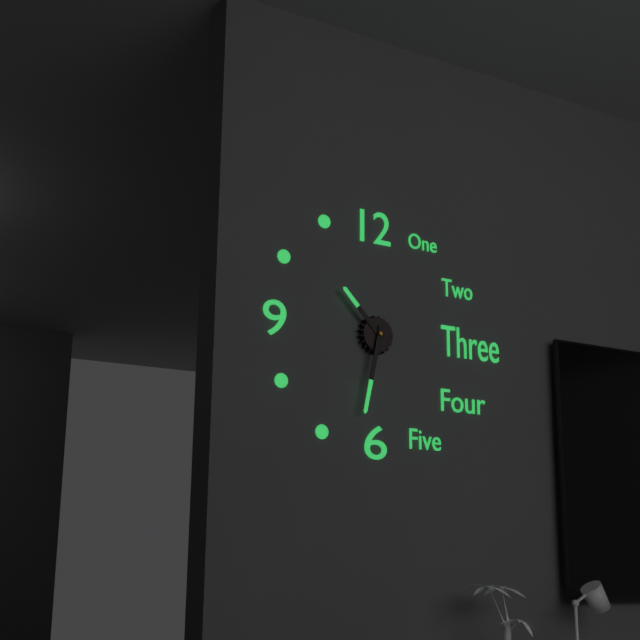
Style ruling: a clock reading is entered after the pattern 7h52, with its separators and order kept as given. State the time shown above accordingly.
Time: 10h32
